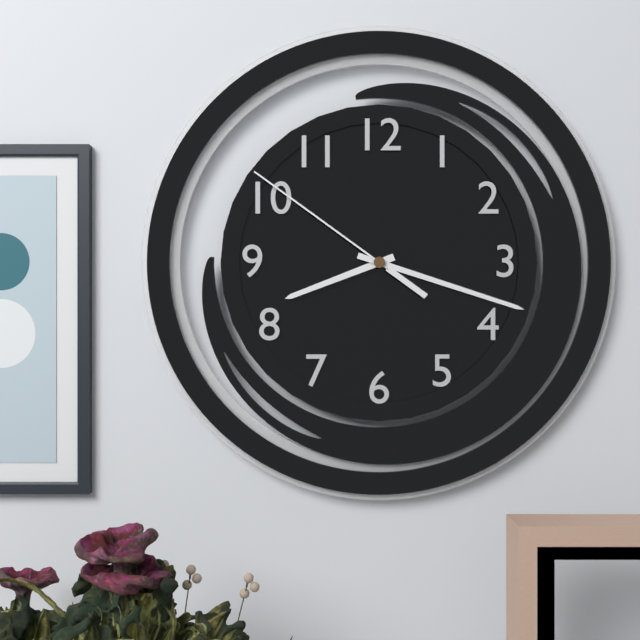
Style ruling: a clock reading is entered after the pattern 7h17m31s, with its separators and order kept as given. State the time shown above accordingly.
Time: 8h18m51s
